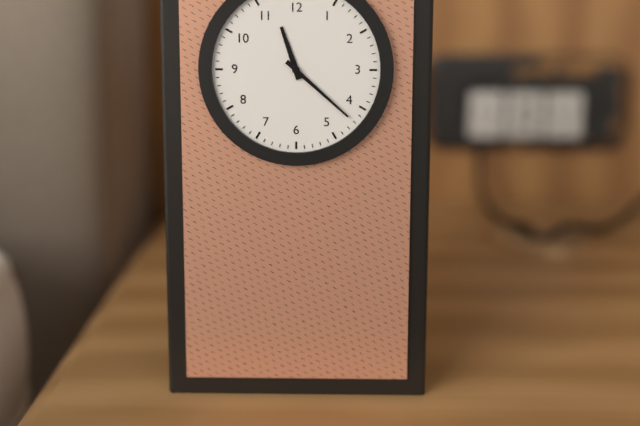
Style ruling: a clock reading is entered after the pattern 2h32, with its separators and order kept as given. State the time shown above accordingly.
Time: 11h22
